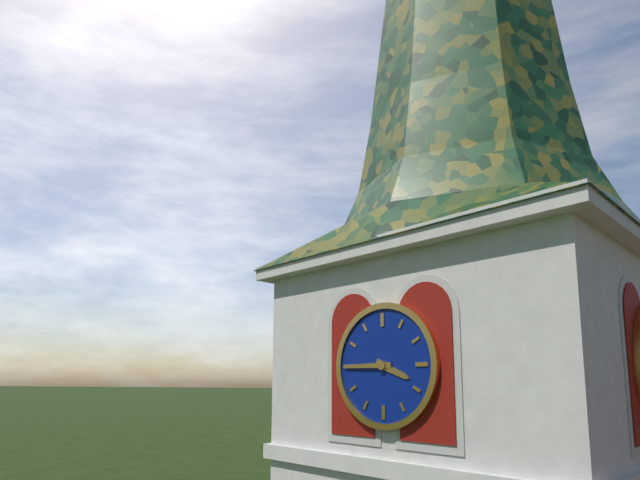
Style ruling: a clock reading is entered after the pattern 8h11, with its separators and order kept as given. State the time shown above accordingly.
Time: 3h45
